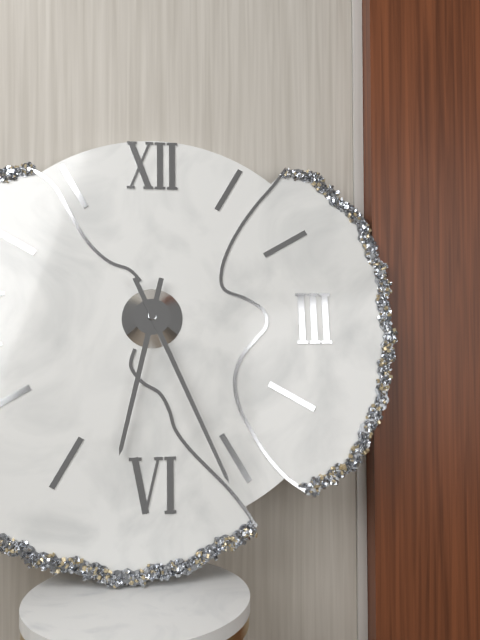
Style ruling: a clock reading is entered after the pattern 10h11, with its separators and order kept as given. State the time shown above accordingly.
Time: 6h26
